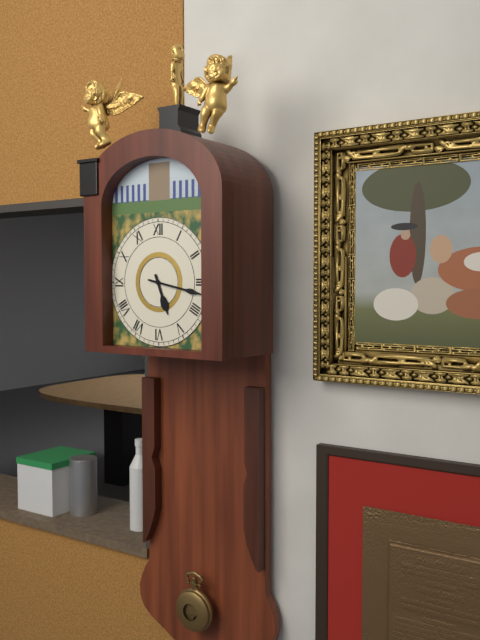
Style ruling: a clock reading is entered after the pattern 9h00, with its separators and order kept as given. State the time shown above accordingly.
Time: 5h17
